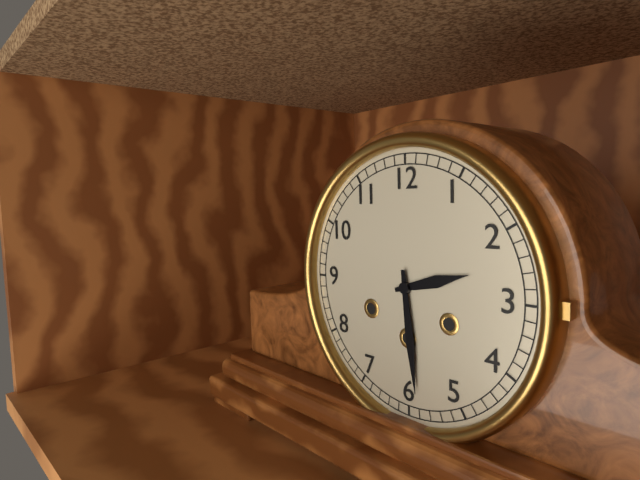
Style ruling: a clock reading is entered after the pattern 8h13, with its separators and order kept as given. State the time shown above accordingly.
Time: 2h29
